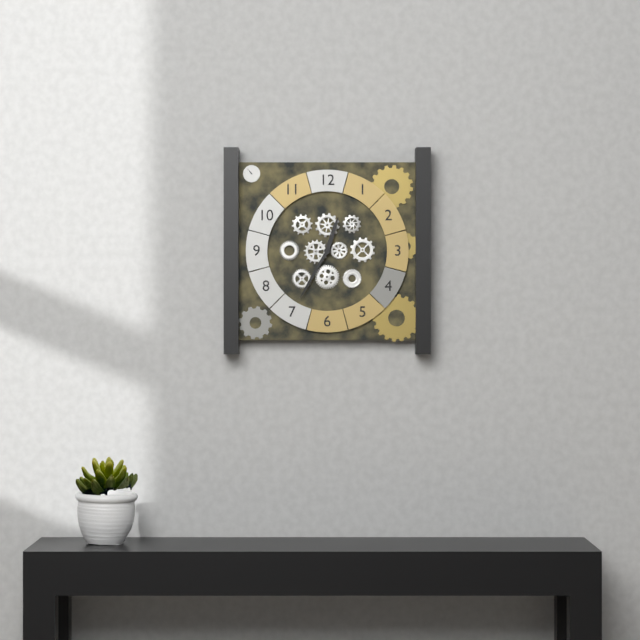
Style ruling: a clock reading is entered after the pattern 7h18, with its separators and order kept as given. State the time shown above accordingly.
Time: 12h35
